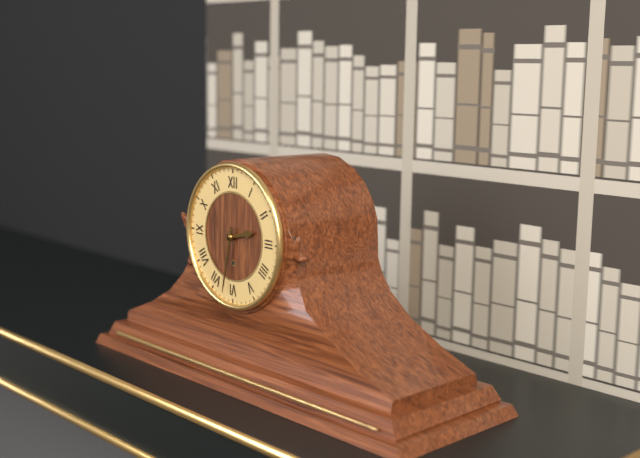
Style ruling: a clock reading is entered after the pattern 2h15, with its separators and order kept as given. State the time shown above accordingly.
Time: 2h32
